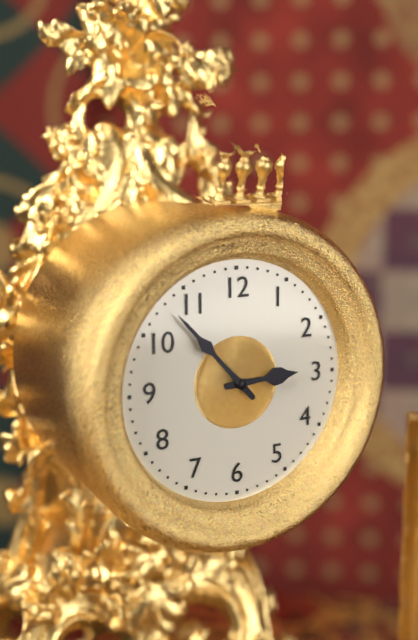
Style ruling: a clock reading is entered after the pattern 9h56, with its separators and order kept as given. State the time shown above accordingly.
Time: 2h53
